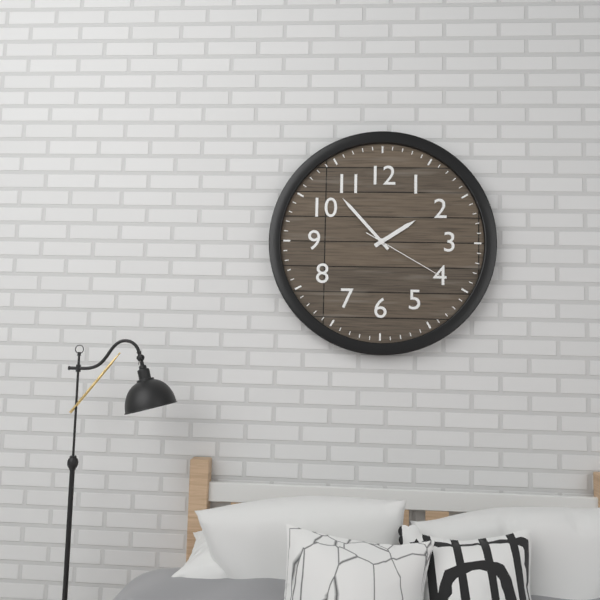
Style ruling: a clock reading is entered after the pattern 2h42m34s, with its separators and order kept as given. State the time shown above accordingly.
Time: 1h53m20s
